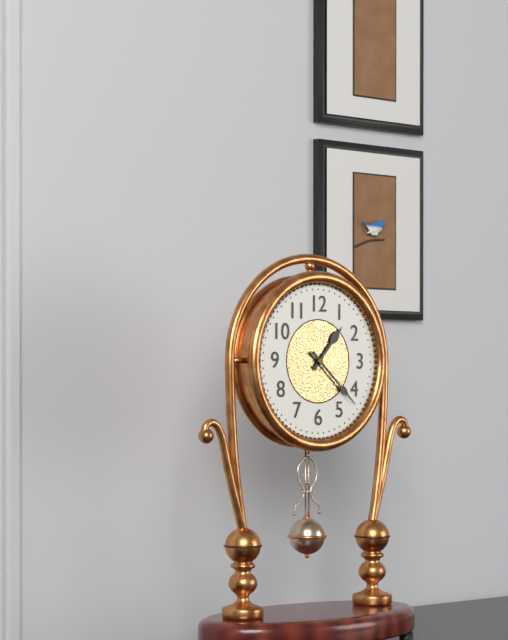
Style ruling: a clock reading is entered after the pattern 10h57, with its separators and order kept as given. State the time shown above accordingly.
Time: 1h22
